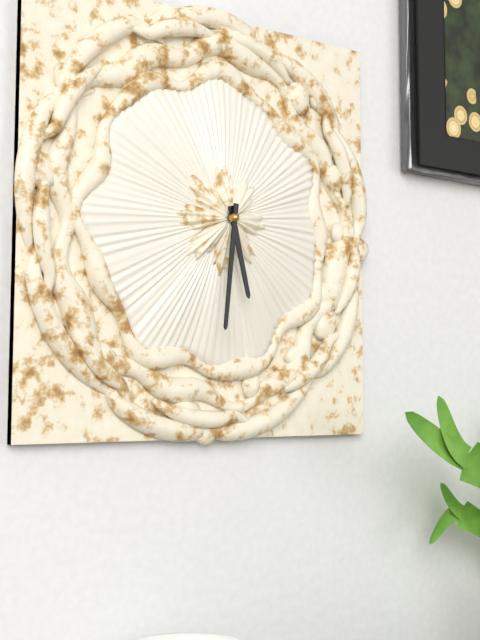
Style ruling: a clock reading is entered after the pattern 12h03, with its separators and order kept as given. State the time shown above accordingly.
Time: 5h31
